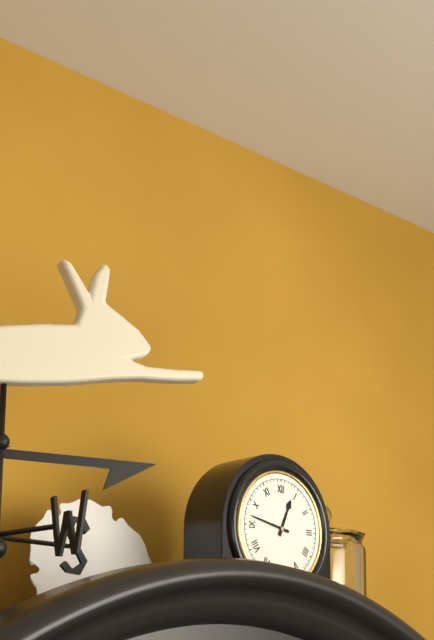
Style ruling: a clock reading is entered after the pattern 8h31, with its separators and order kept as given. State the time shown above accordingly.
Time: 12h47
